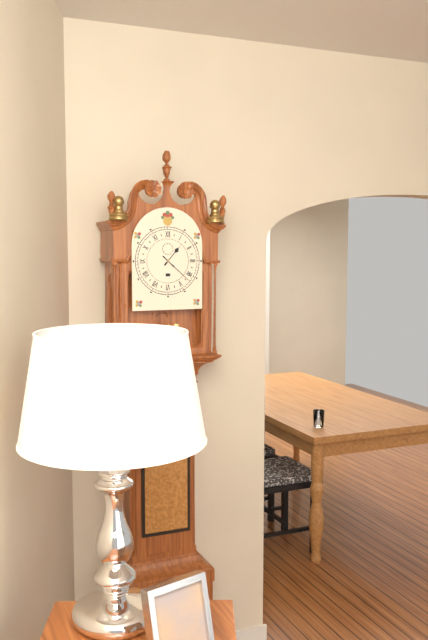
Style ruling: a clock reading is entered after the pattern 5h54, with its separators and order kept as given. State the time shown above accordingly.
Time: 1h22
